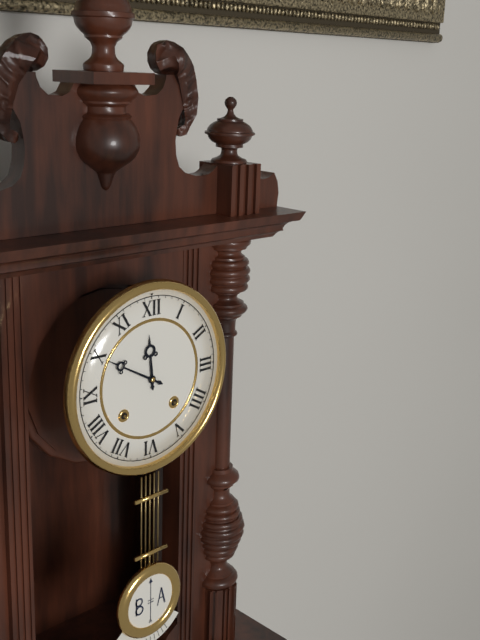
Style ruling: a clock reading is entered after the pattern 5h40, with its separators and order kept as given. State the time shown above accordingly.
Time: 11h50
